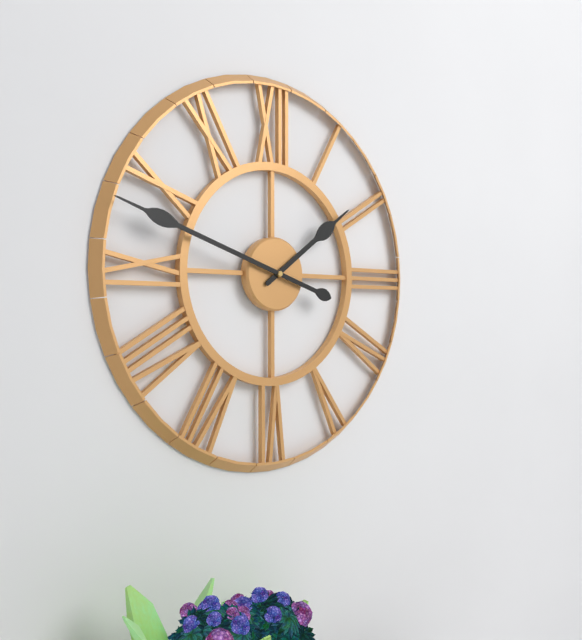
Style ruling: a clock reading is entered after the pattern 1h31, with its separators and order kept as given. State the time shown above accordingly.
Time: 1h48
